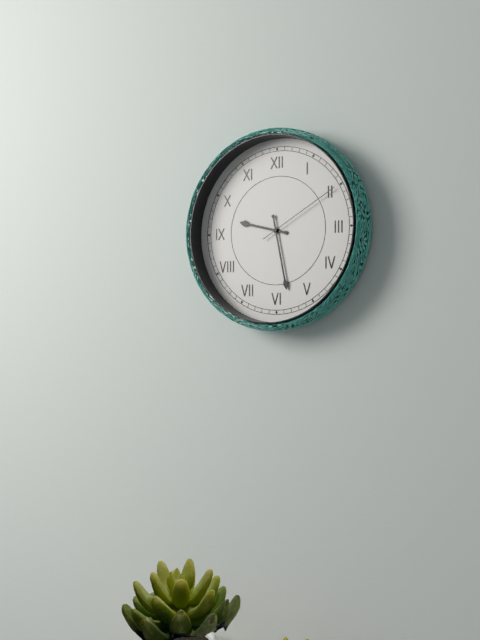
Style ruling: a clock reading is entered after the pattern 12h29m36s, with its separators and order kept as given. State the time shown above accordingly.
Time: 9h28m10s
